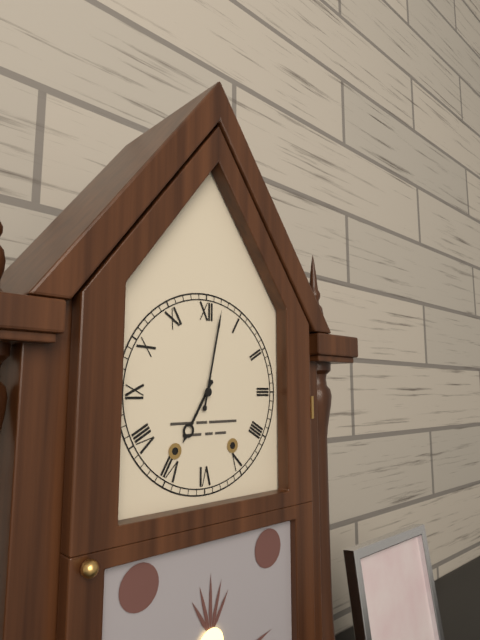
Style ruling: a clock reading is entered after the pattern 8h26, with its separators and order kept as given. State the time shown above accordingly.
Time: 7h02
